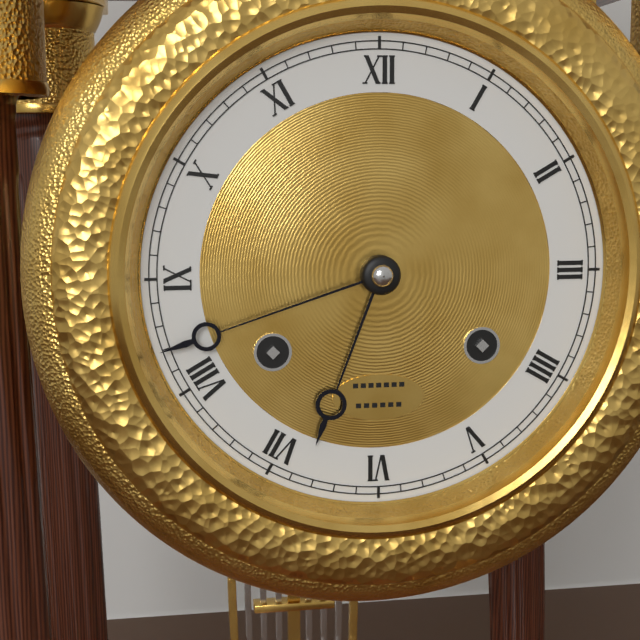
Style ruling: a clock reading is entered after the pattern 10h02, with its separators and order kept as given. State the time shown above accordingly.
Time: 6h42
